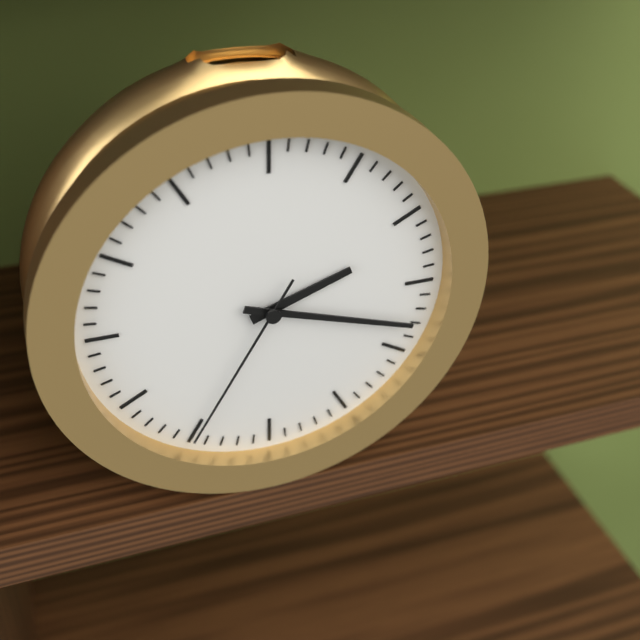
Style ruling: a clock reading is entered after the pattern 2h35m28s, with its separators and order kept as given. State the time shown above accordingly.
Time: 2h18m35s
